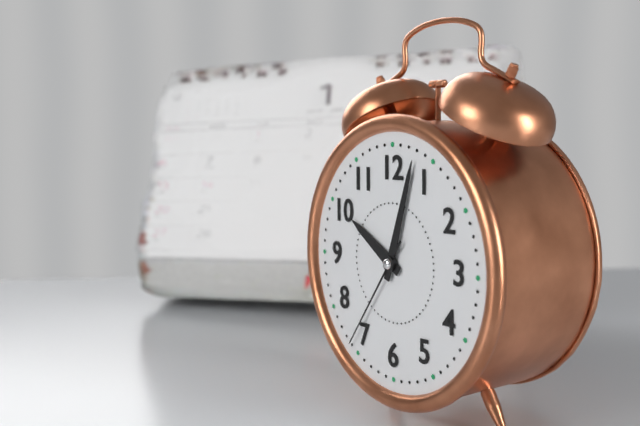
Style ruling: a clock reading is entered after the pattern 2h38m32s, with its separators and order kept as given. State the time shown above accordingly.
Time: 10h03m36s
